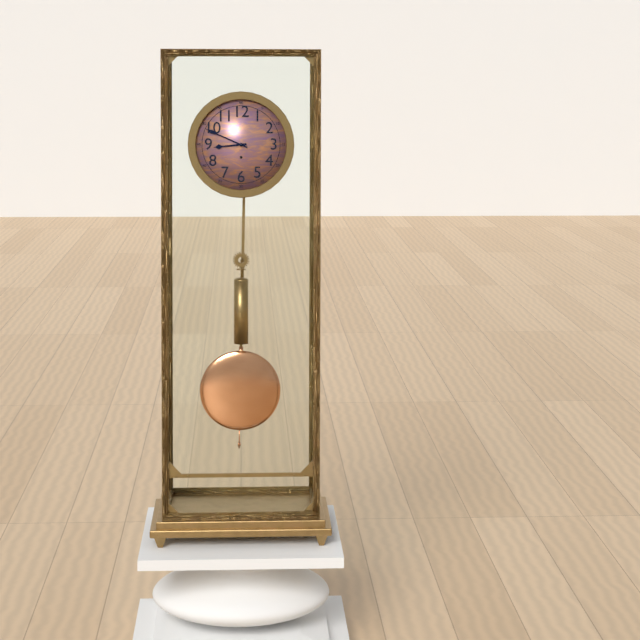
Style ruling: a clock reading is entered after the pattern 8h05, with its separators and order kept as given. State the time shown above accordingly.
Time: 8h49
